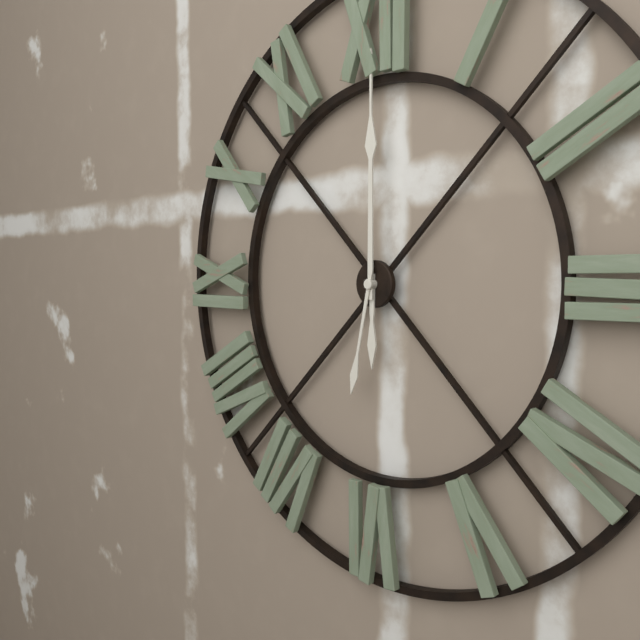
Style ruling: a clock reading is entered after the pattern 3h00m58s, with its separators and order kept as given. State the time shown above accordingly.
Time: 6h00m32s
